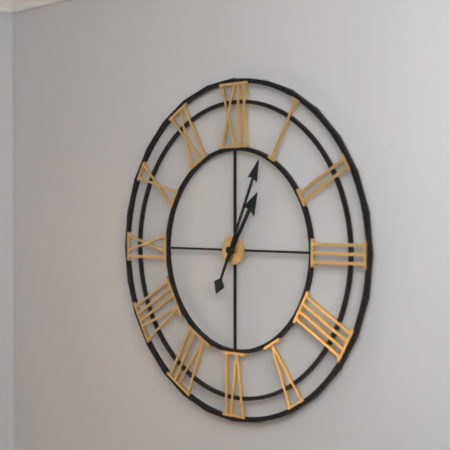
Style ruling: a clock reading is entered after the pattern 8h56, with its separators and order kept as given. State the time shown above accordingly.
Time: 1h04
